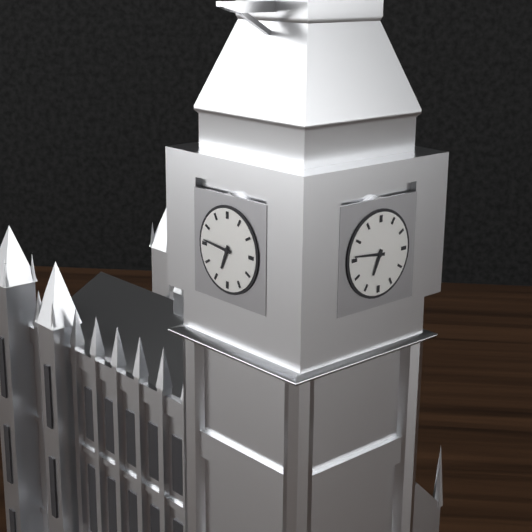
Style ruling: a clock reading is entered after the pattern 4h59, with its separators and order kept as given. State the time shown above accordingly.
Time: 6h46
